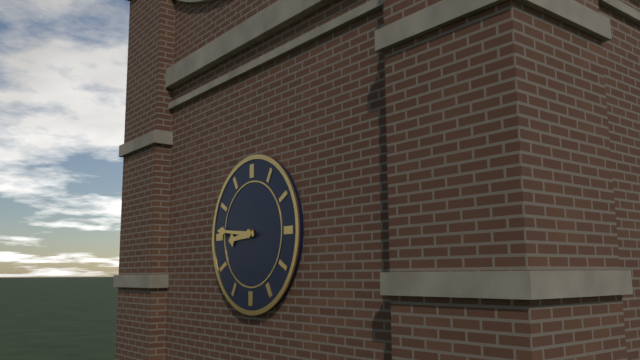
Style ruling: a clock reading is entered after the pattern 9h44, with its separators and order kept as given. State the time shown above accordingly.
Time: 8h46
